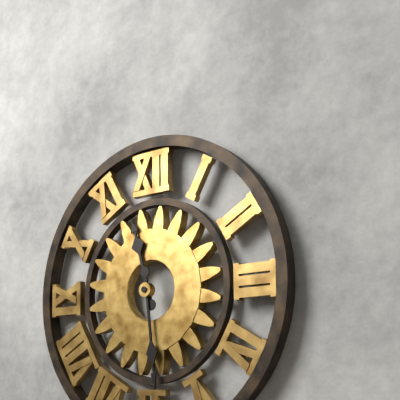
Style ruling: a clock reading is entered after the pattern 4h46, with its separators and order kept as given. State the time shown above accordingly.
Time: 11h29
